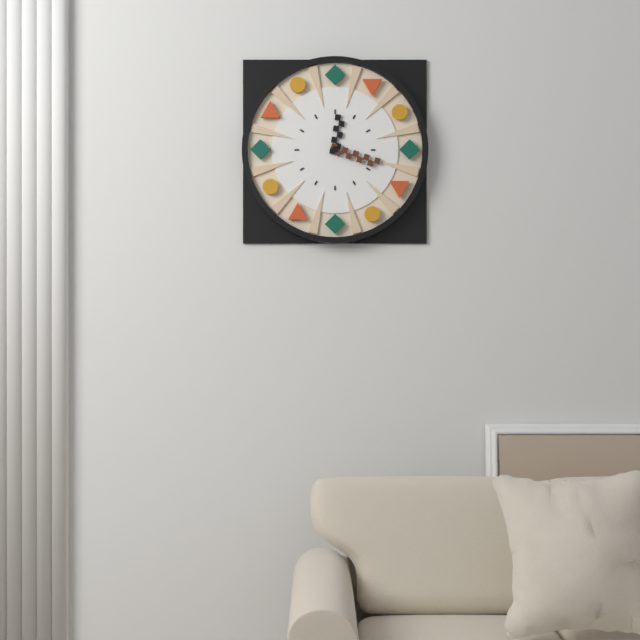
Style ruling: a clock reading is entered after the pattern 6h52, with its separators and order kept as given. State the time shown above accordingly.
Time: 12h18
